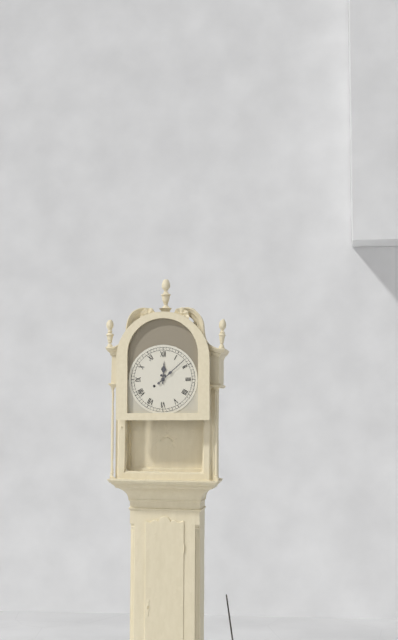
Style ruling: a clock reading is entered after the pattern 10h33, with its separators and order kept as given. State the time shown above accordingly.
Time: 12h08
